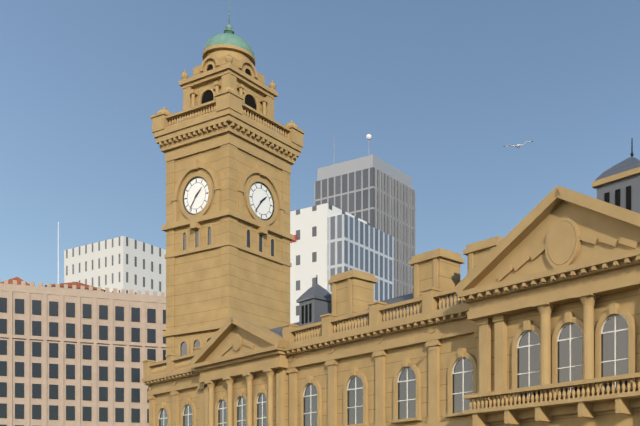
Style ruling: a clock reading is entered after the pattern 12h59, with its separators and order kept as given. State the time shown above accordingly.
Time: 1h36
